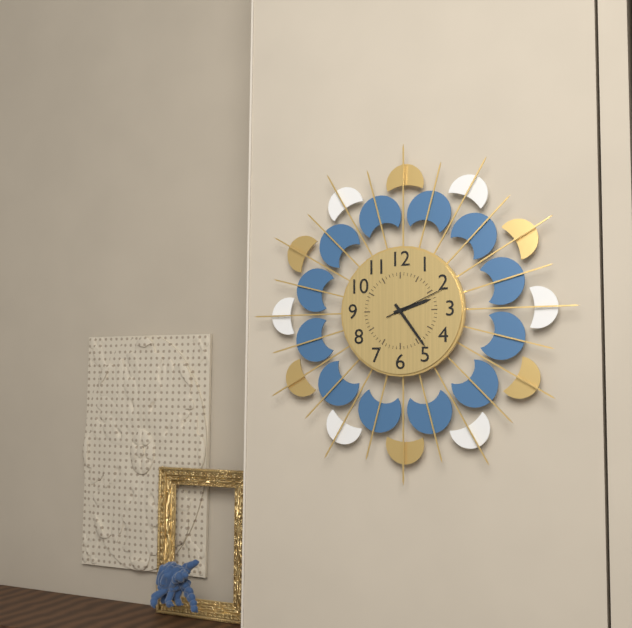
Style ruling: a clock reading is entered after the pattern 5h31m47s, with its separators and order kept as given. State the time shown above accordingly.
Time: 2h24m11s
